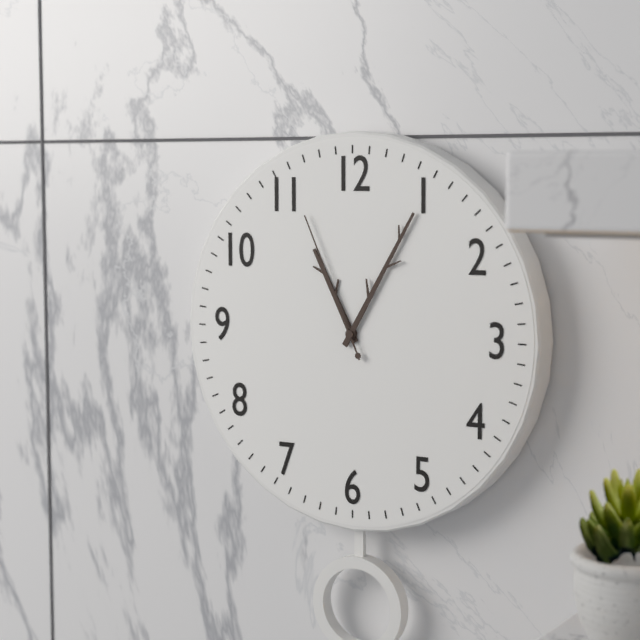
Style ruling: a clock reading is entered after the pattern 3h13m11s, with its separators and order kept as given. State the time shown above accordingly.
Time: 11h05m56s
